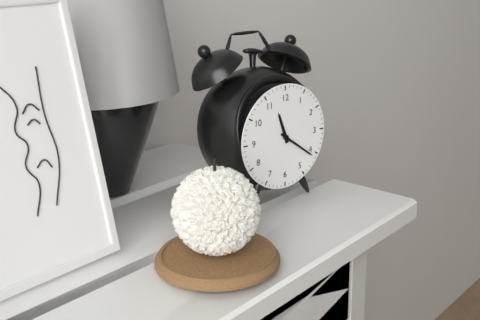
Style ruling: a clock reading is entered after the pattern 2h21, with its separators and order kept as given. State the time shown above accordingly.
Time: 11h21
